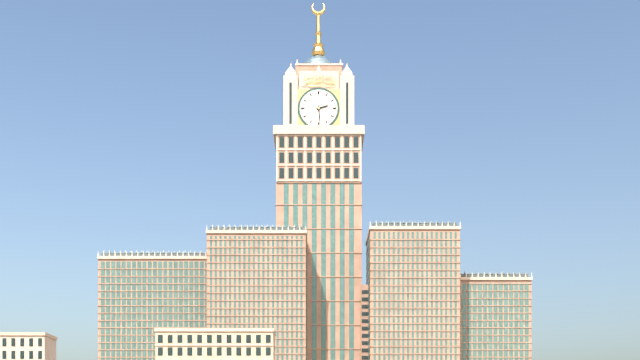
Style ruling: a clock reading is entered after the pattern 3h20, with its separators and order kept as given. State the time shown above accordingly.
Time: 2h29
